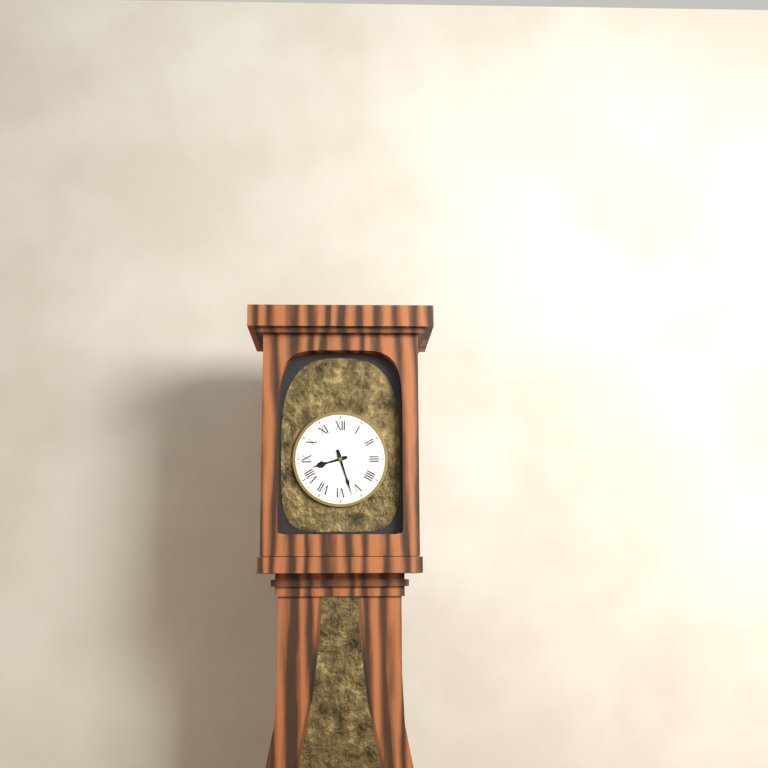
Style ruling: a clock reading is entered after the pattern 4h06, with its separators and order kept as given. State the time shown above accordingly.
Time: 8h27
